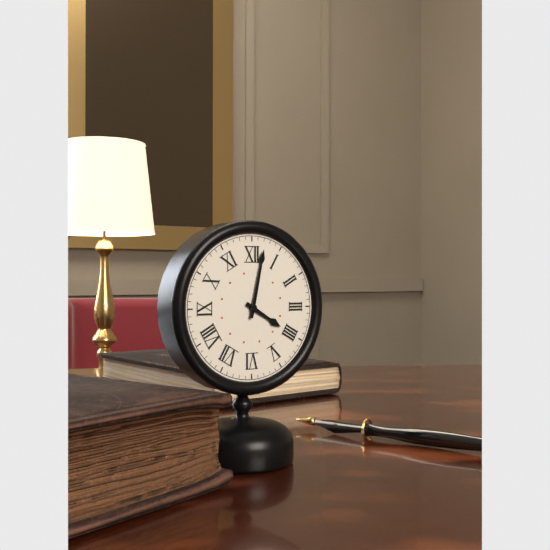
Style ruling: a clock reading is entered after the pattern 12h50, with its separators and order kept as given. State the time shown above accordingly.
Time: 4h02
